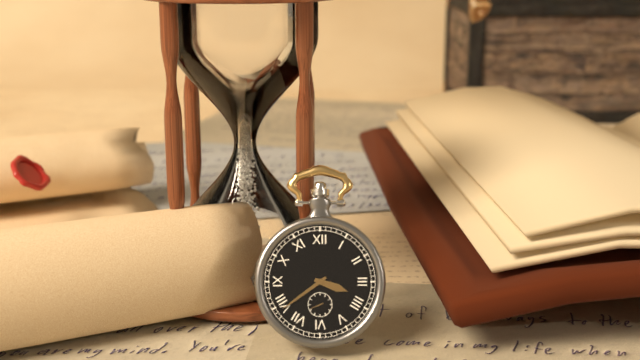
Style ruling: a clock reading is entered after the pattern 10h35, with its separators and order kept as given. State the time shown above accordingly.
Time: 3h39
